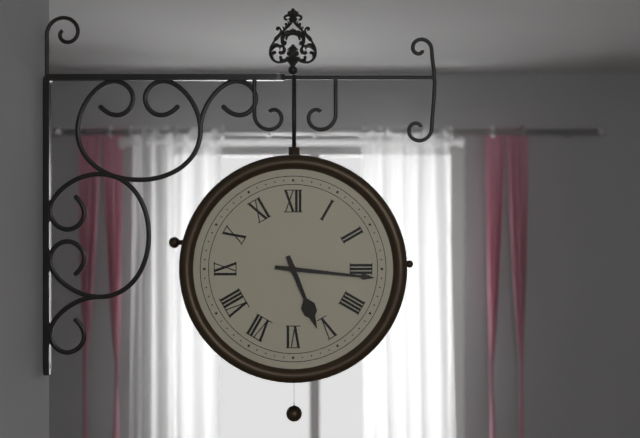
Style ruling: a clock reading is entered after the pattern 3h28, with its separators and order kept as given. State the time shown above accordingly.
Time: 5h16
